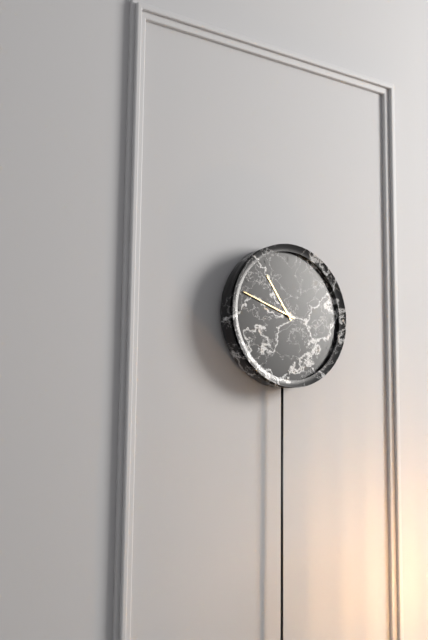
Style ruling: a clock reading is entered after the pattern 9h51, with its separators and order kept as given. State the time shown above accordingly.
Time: 10h48
